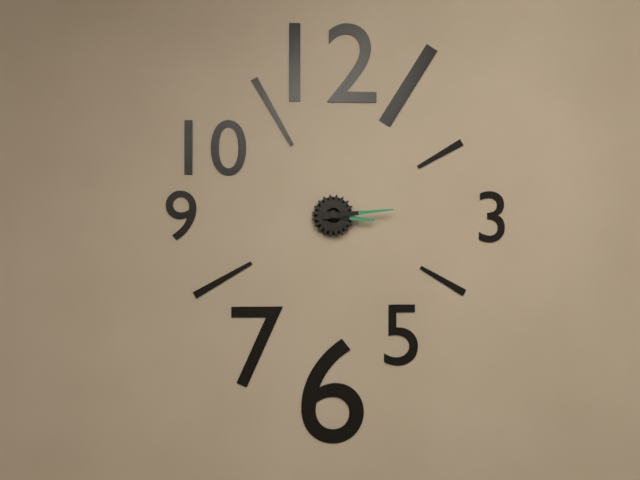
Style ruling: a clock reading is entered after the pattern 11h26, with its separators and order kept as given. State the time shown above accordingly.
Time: 3h14
